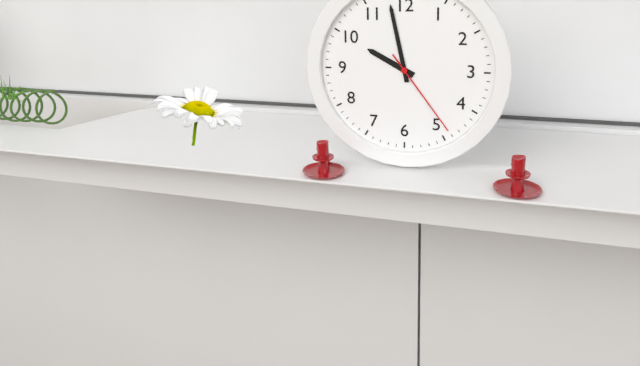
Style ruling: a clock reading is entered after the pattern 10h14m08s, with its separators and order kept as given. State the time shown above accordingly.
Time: 9h58m24s
